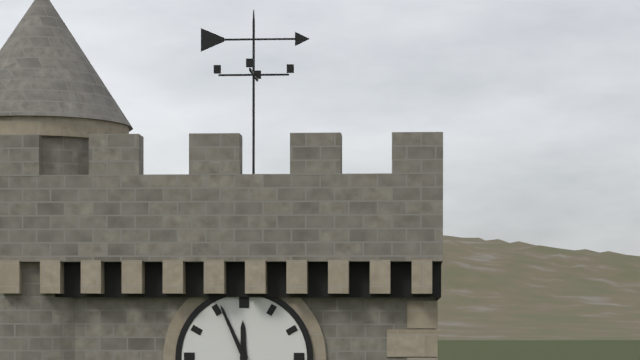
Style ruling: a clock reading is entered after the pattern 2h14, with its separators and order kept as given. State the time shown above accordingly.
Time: 11h56
